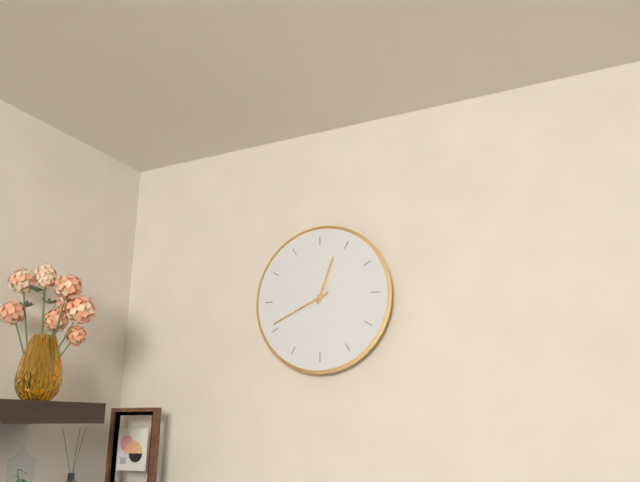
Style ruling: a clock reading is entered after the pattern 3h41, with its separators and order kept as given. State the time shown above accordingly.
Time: 12h41
